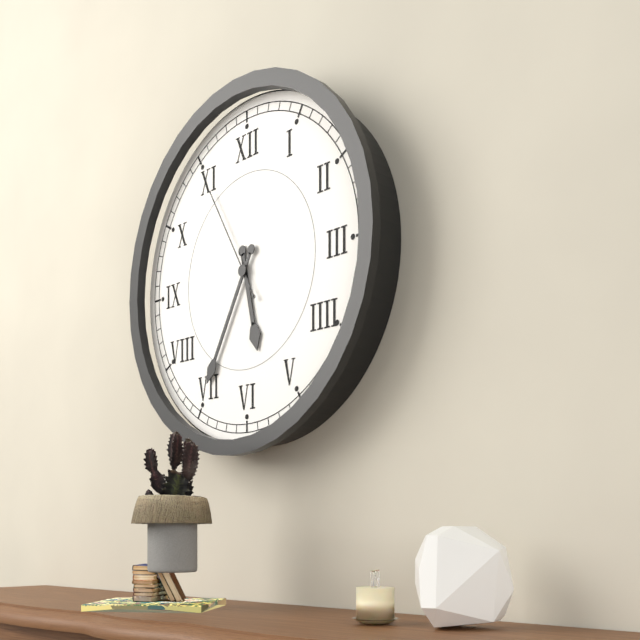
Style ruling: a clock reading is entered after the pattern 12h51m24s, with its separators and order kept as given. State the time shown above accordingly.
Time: 5h35m55s
